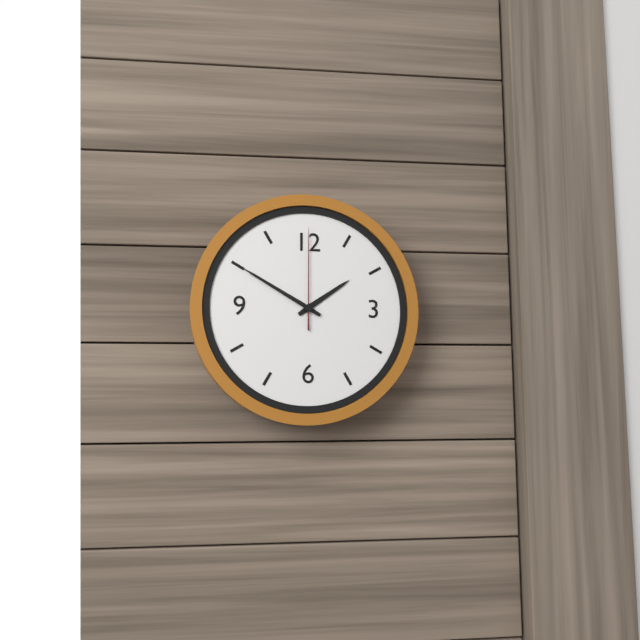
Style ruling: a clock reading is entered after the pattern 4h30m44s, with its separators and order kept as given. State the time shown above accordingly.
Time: 1h50m00s
